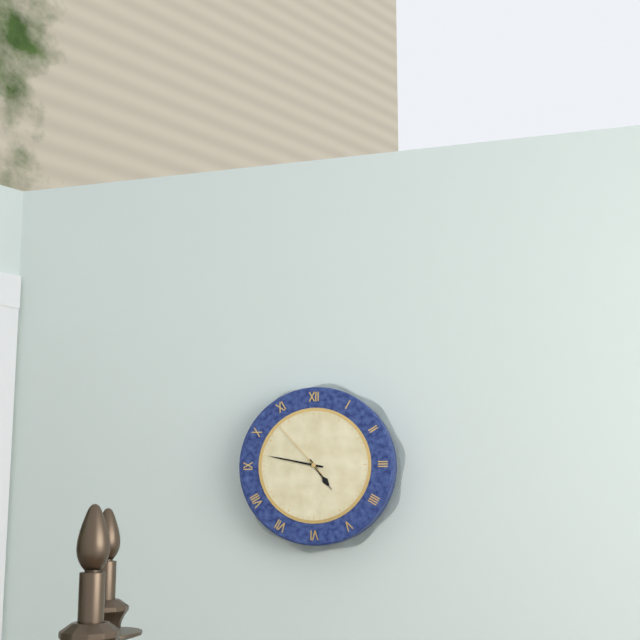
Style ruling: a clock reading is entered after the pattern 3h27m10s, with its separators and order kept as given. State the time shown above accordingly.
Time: 4h47m53s
